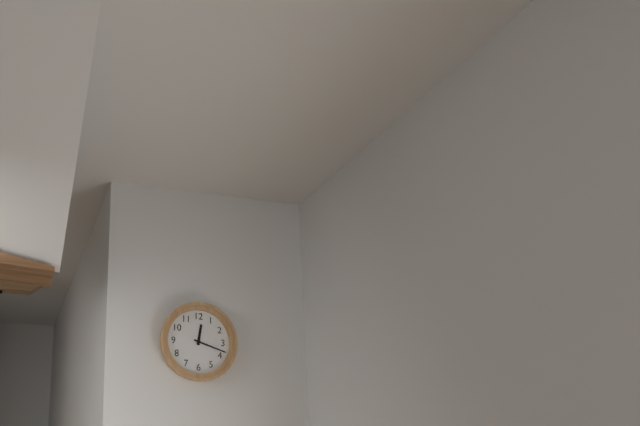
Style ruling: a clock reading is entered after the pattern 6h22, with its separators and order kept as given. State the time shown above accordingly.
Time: 12h18
